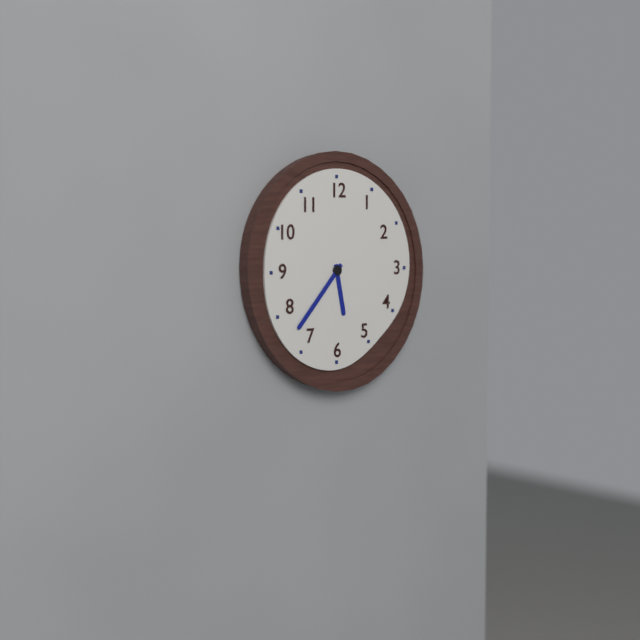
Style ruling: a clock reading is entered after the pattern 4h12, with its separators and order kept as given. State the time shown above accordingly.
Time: 5h37
